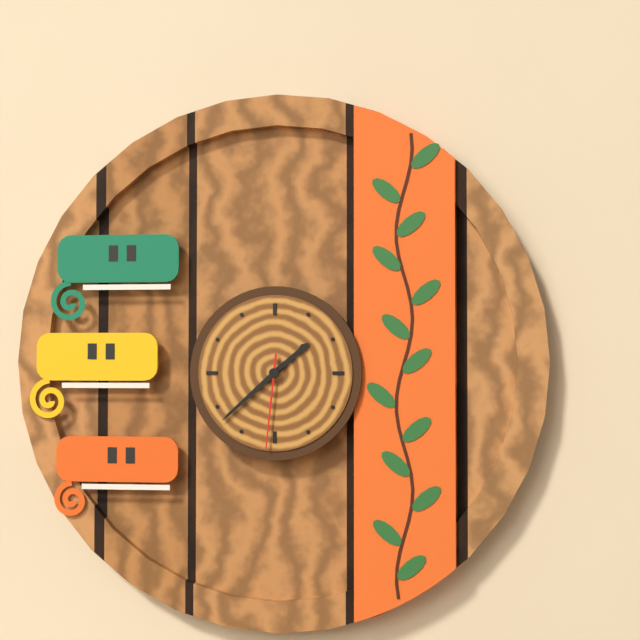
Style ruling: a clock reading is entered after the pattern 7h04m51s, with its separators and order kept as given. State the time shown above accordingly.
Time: 1h38m31s
